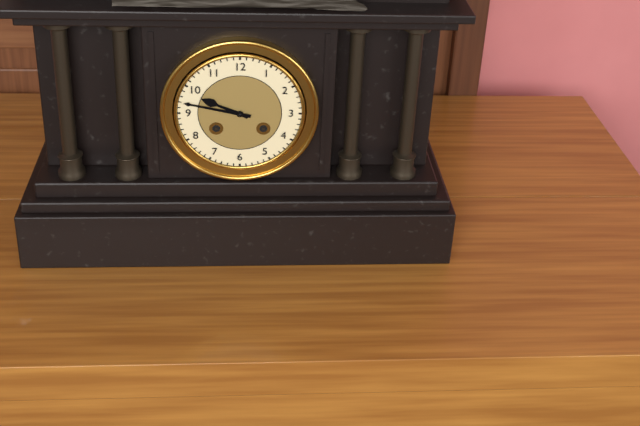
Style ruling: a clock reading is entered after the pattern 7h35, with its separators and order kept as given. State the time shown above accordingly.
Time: 9h47
